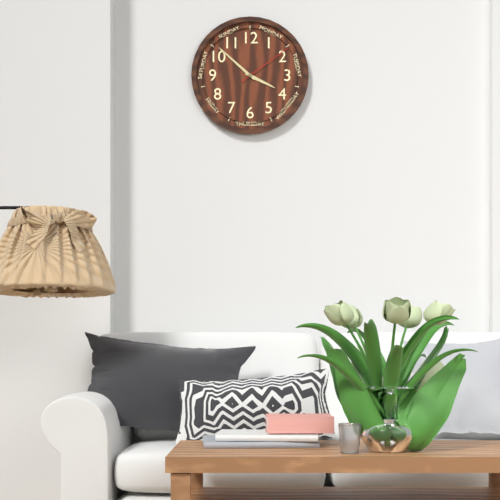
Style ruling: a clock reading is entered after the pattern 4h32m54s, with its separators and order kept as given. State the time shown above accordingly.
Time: 3h52m09s
